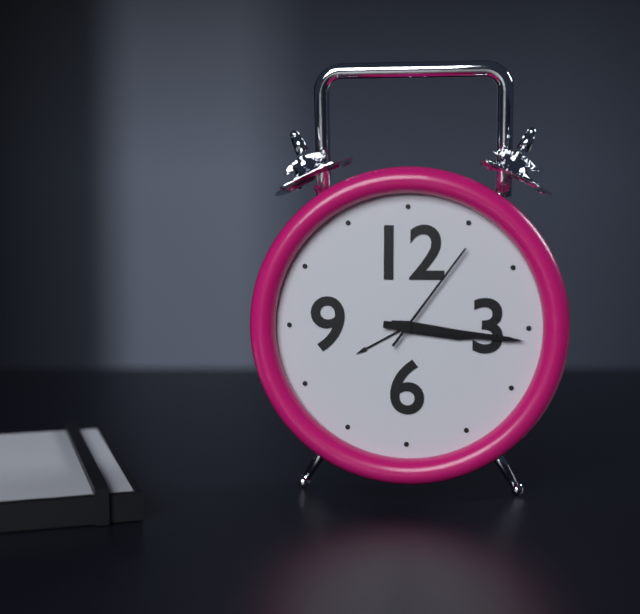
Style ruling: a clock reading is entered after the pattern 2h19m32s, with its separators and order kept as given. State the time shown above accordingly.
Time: 3h16m06s
